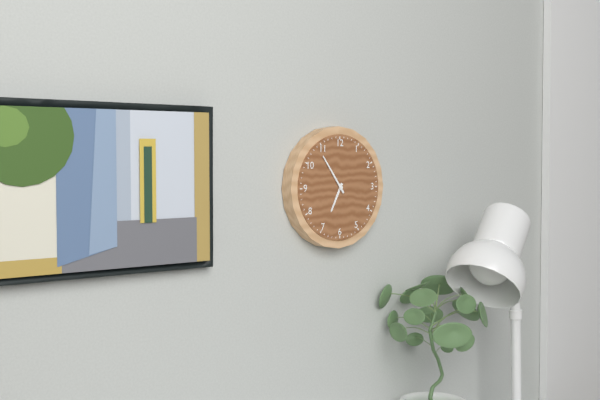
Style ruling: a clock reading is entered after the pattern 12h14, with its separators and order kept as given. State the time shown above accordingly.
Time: 6h54
